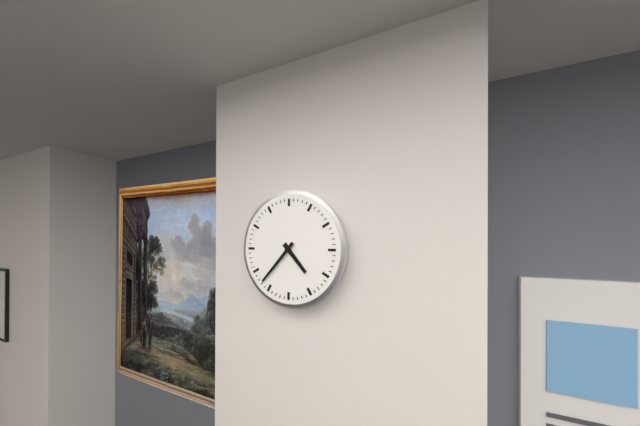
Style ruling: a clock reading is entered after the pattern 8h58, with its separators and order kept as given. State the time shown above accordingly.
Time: 4h37
